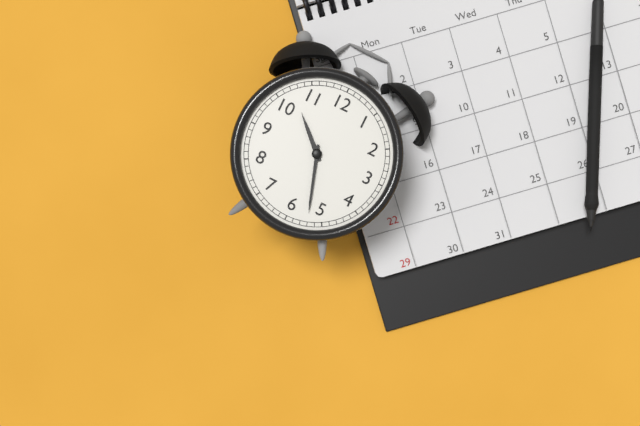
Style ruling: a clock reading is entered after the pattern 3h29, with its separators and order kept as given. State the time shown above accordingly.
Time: 10h27
